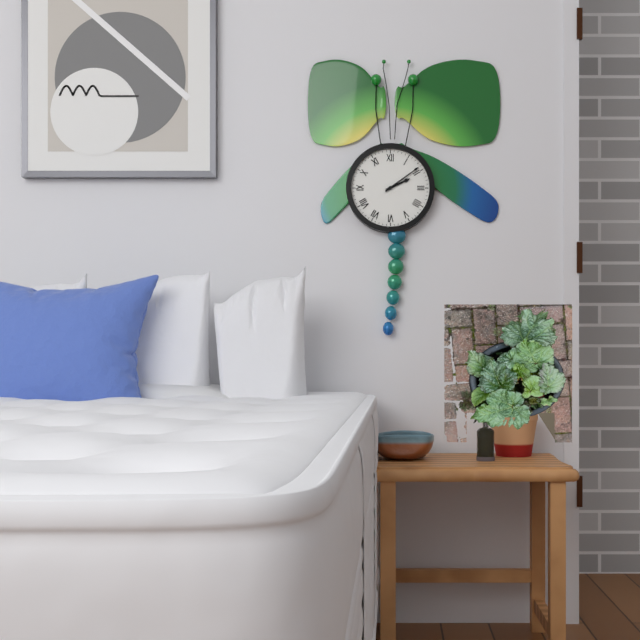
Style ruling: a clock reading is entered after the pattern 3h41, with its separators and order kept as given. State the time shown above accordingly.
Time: 2h09
